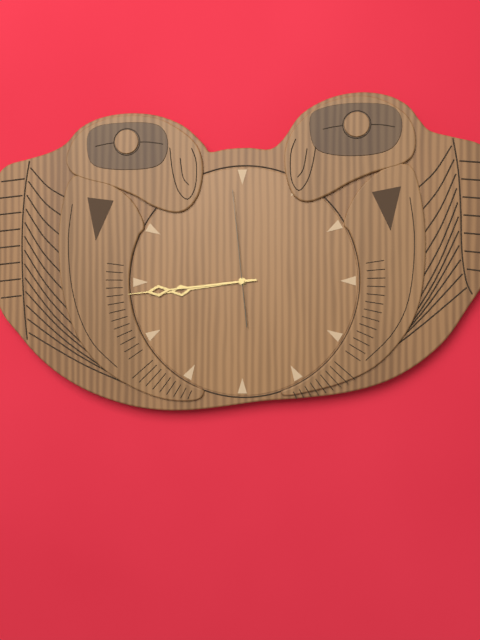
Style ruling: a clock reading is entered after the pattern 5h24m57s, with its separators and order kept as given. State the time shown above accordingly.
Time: 8h44m59s
